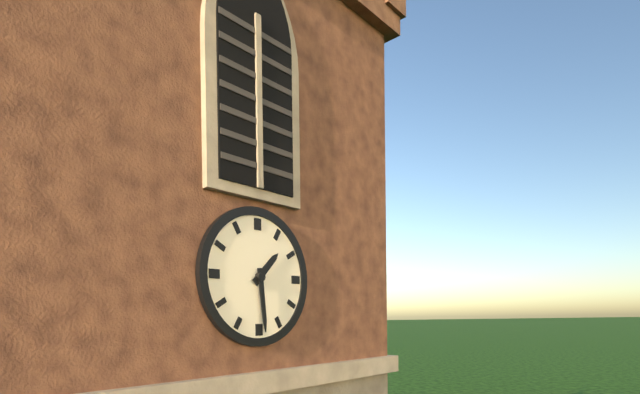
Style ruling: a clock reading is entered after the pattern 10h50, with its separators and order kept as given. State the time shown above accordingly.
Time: 1h29
